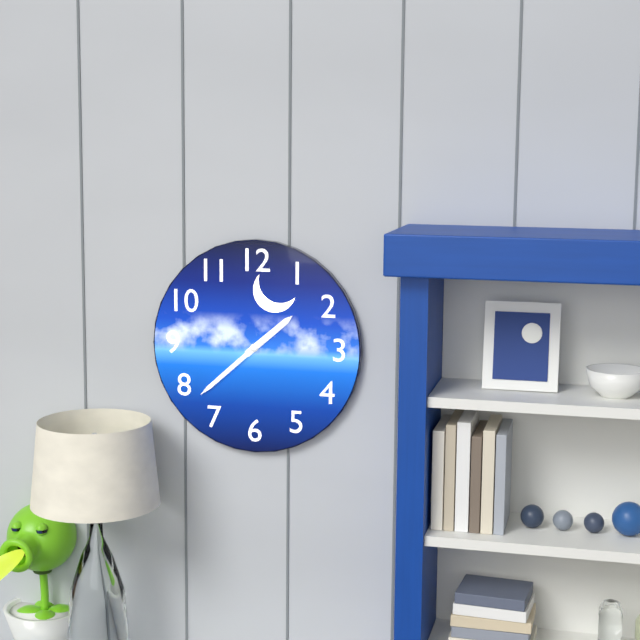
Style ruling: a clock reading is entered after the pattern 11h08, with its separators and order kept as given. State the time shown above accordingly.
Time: 1h38
